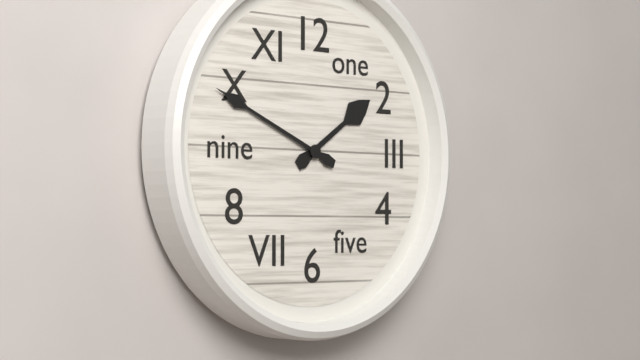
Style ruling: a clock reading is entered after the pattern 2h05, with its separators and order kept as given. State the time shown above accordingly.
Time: 1h49
